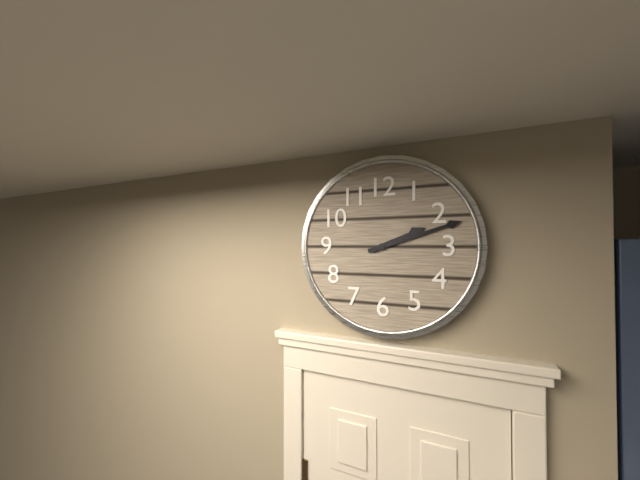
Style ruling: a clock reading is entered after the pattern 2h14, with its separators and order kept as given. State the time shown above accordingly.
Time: 2h12
